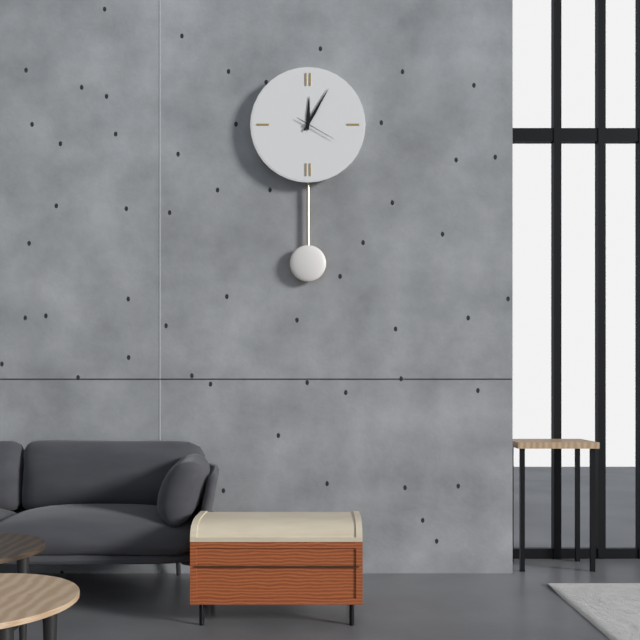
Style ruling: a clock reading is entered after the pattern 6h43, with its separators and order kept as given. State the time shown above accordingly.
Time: 12h05
